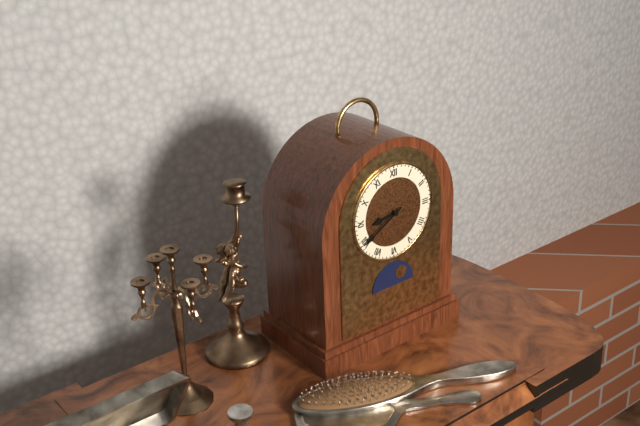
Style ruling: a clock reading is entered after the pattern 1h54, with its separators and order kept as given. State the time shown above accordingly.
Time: 8h40
